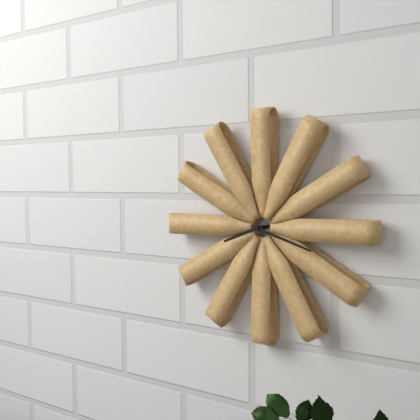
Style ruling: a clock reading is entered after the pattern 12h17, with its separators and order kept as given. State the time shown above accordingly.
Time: 8h18
